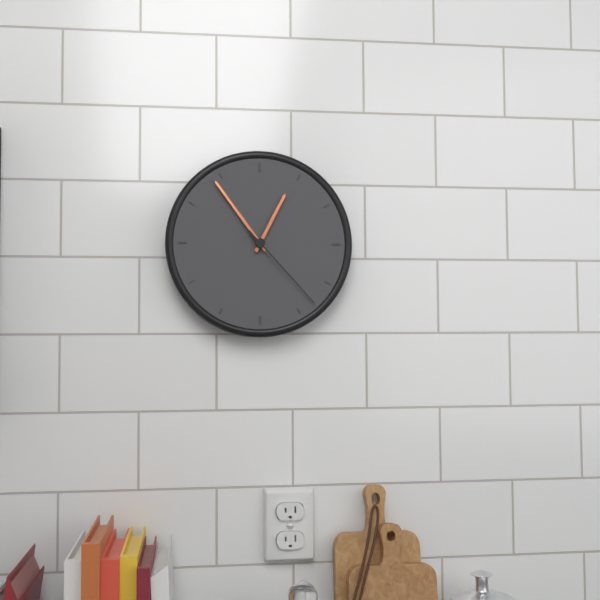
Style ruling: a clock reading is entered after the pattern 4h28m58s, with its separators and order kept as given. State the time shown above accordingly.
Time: 12h54m23s
